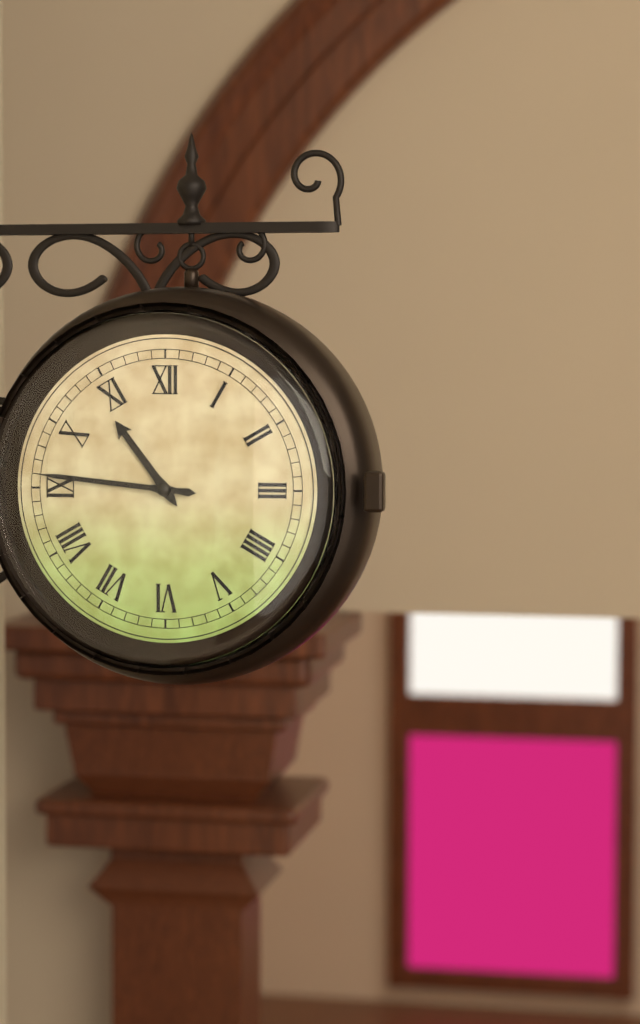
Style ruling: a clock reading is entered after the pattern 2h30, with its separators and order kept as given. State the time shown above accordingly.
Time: 10h46
